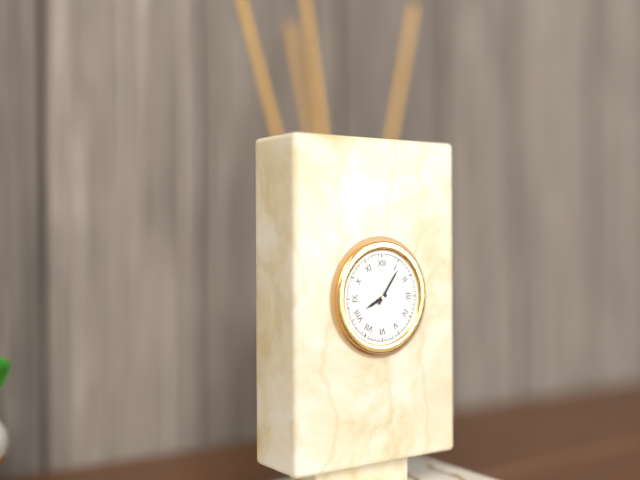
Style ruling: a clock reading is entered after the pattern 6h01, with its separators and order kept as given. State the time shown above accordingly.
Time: 8h06
